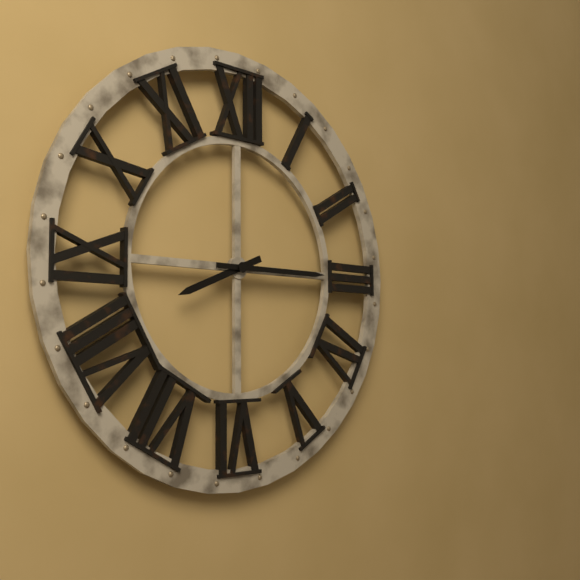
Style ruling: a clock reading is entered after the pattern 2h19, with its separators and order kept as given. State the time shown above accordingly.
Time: 8h15
